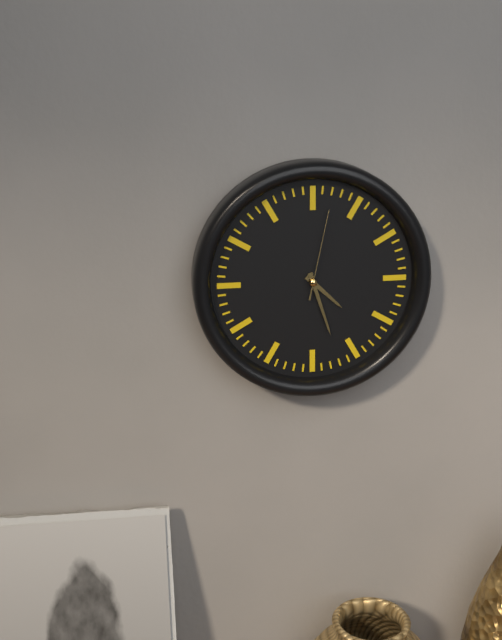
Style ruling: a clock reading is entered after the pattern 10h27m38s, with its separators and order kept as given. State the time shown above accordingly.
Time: 4h27m02s
